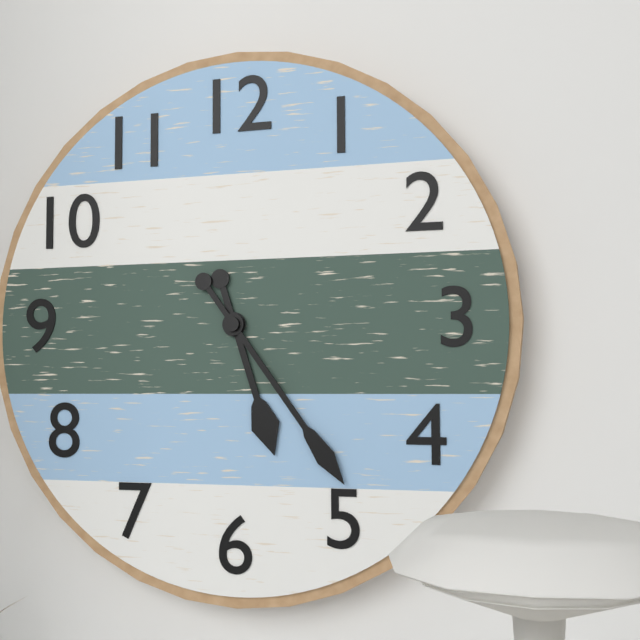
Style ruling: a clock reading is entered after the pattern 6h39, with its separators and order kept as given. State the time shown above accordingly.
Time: 5h24
